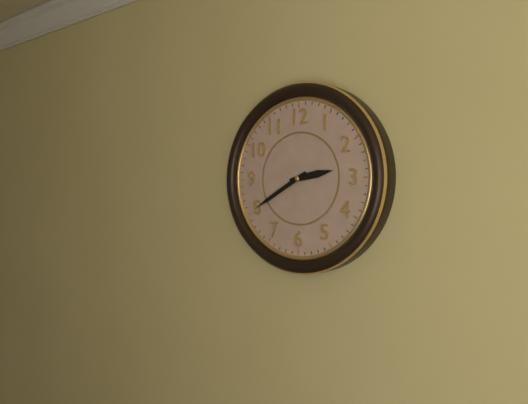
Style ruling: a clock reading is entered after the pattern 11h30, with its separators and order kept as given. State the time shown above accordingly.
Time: 2h40
